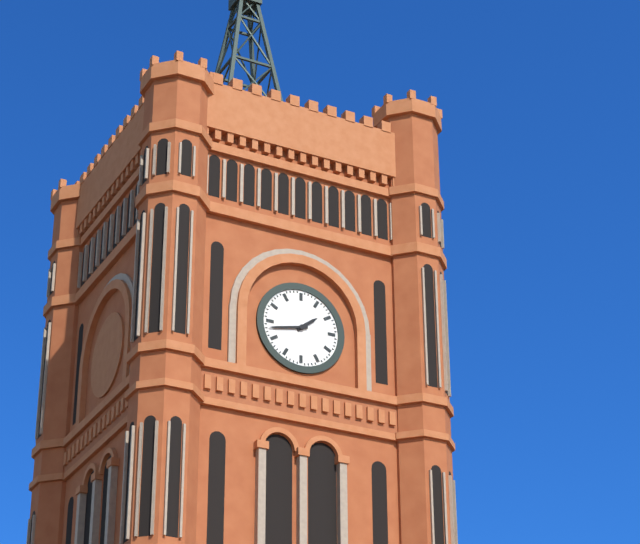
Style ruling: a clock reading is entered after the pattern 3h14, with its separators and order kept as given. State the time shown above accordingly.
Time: 1h43
